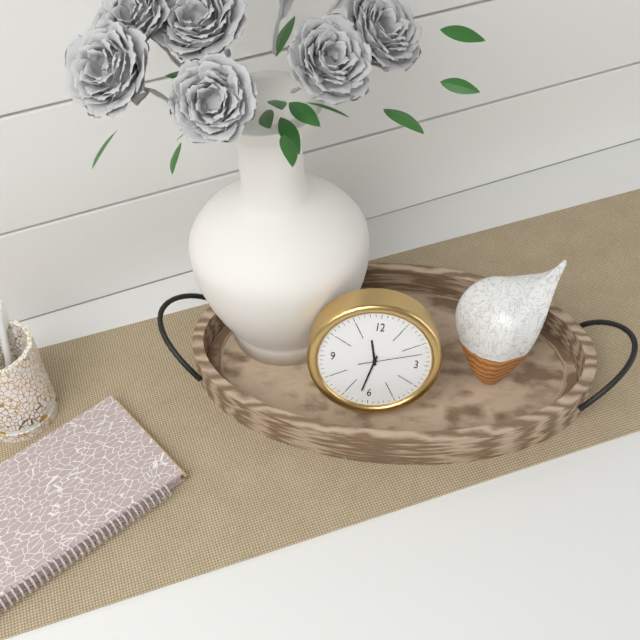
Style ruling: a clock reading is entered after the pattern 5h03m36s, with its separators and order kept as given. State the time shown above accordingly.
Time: 11h32m12s
